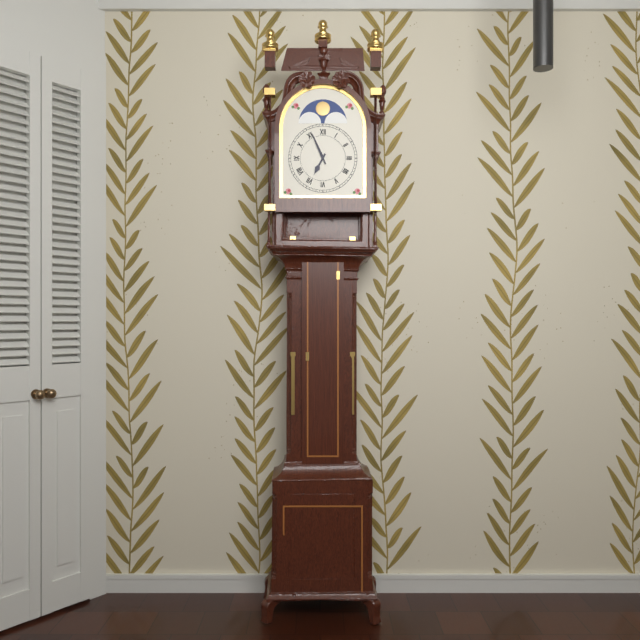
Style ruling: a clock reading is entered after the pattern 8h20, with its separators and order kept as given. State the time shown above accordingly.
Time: 6h56
